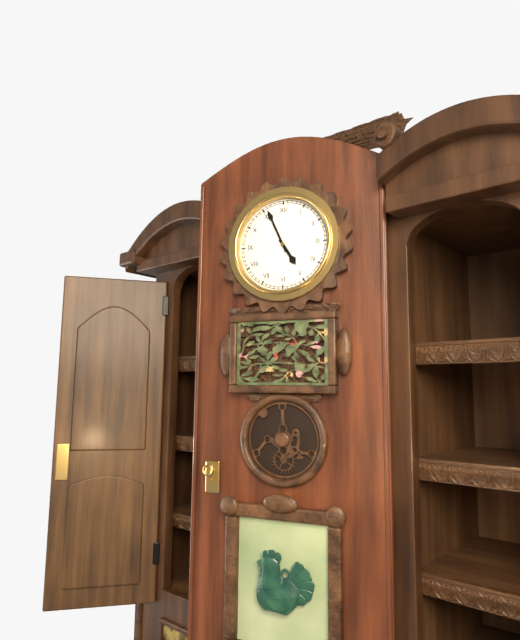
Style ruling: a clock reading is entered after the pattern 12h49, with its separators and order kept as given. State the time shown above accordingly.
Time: 4h56
